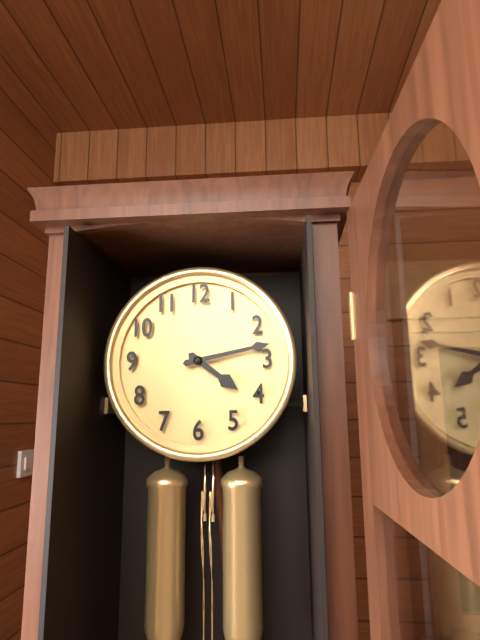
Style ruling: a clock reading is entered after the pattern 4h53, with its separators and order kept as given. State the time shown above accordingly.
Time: 4h13
